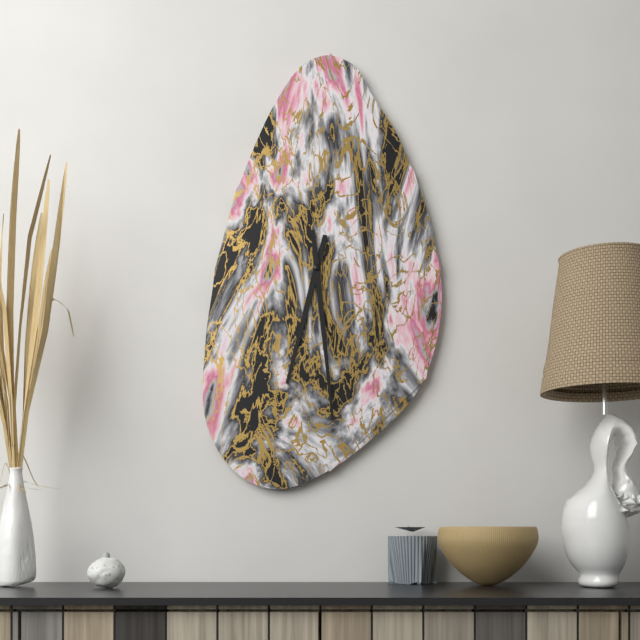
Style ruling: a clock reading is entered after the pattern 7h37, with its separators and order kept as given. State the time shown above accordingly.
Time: 6h29
